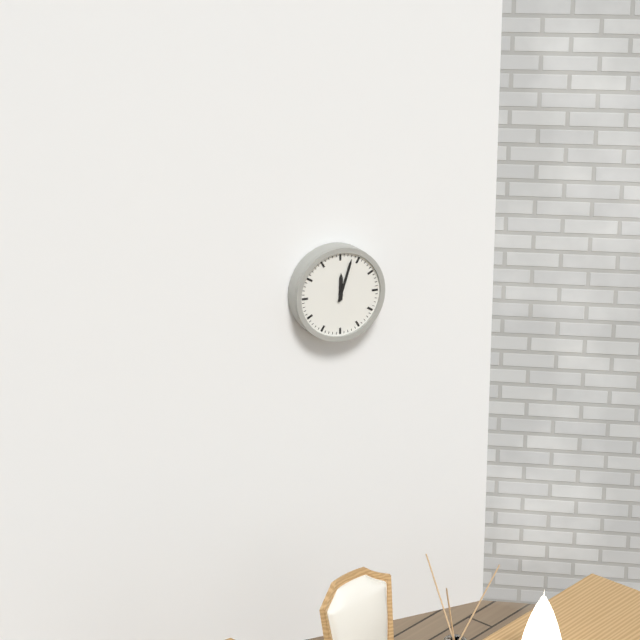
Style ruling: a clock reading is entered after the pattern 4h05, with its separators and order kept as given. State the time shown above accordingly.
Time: 12h03
